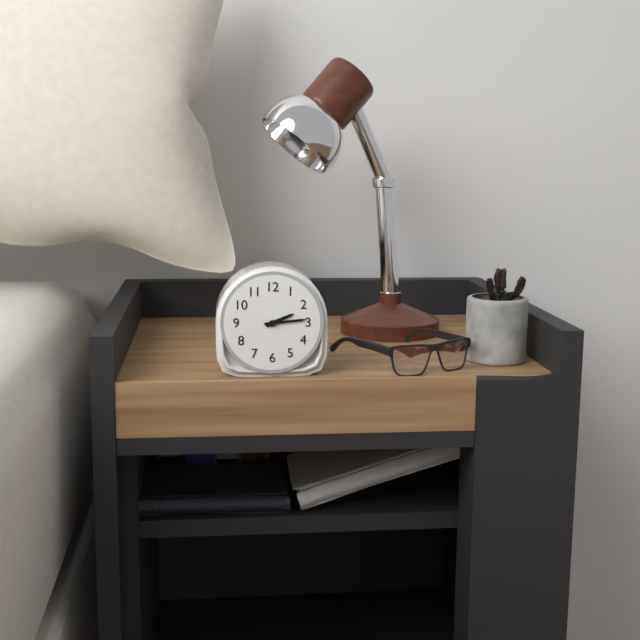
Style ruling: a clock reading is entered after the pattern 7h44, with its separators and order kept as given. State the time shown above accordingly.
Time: 2h14
